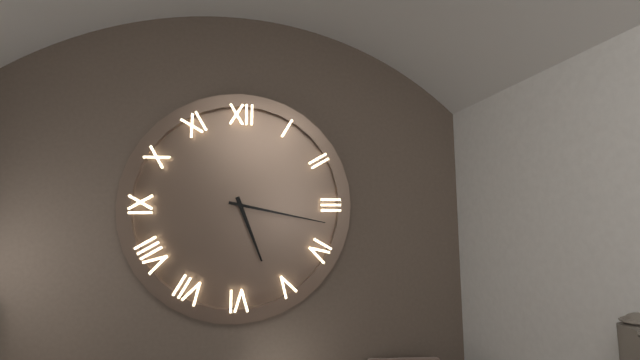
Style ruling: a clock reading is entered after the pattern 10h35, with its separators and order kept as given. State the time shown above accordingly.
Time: 5h17
